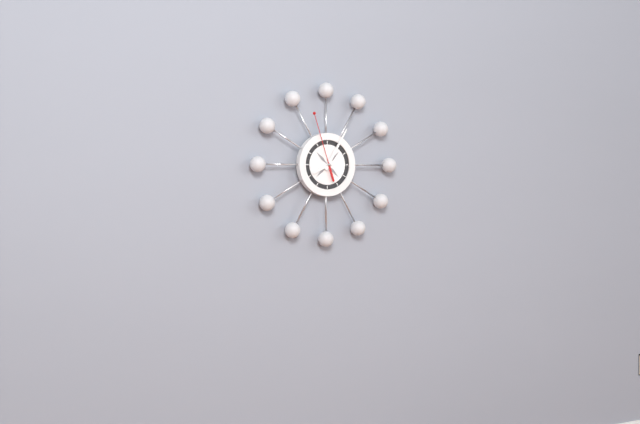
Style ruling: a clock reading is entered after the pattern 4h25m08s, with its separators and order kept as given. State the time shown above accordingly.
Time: 8h05m57s
